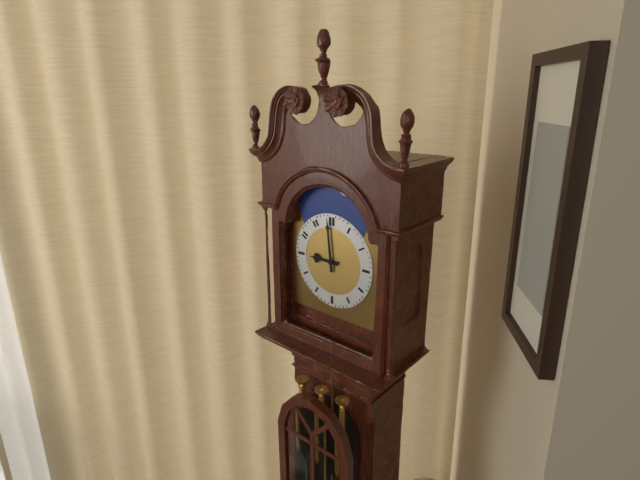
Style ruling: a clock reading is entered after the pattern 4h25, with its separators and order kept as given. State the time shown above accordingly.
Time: 8h59
